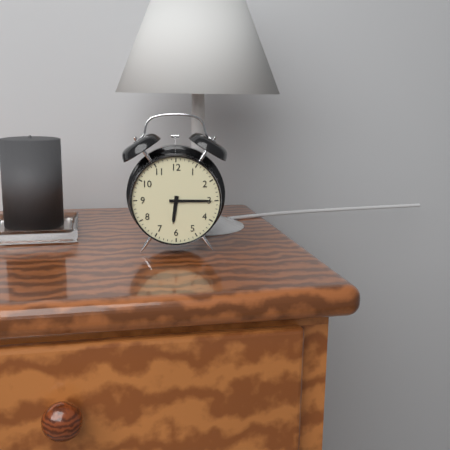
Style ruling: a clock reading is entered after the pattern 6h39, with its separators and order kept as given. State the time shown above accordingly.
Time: 6h15
